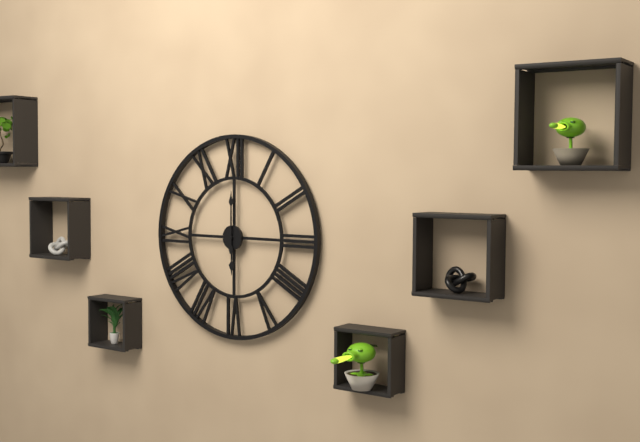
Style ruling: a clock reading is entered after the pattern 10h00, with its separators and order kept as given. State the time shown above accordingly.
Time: 6h00
